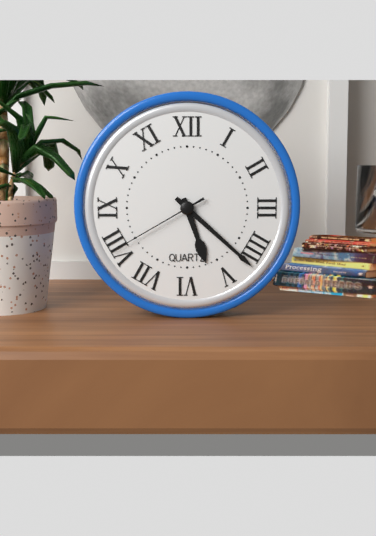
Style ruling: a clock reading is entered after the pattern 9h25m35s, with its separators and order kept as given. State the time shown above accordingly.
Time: 5h22m40s
